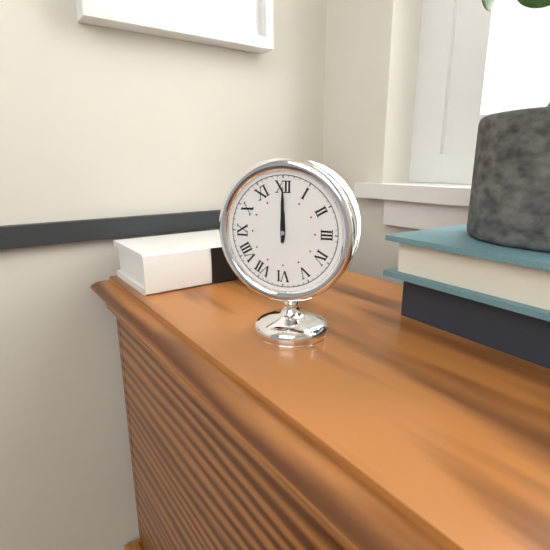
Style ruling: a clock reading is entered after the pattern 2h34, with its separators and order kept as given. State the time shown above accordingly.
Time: 12h00
